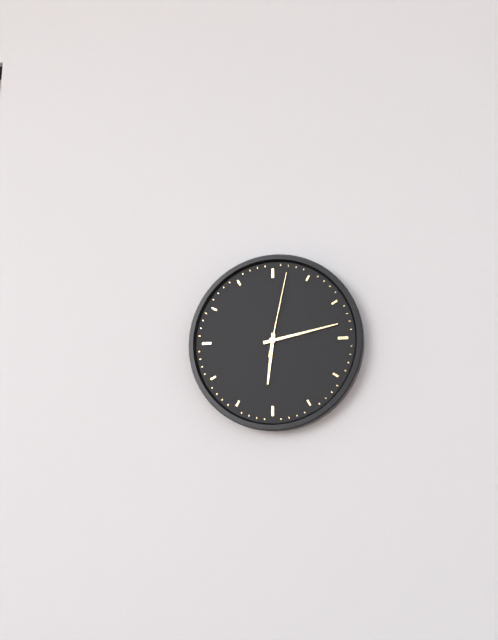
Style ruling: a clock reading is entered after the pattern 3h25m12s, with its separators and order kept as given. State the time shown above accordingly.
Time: 6h13m02s
